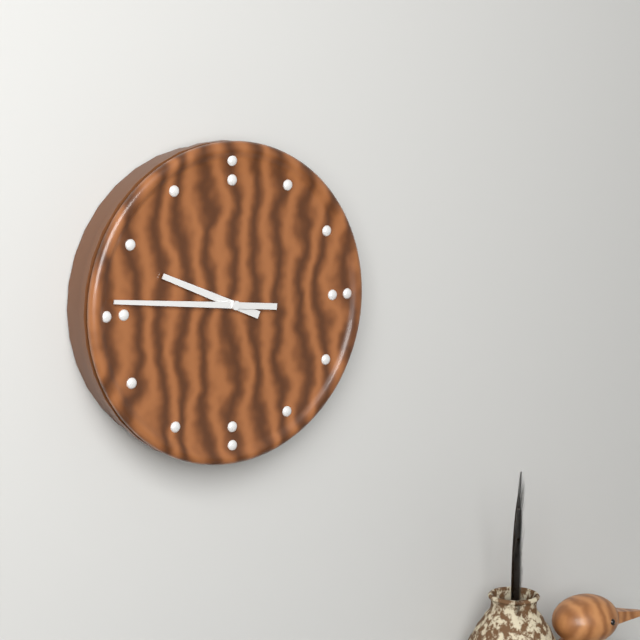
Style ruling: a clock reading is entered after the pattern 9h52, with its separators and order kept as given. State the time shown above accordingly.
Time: 9h46
